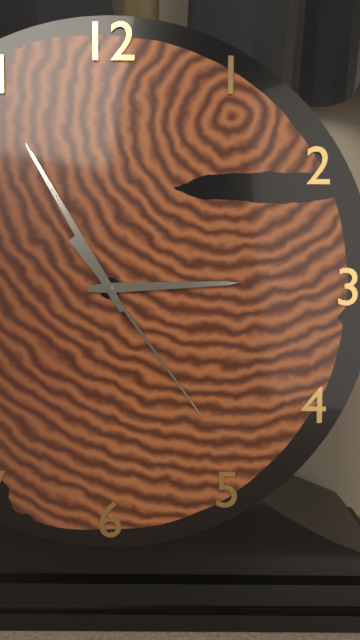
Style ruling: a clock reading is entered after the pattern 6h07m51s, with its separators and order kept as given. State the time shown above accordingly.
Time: 2h55m24s
